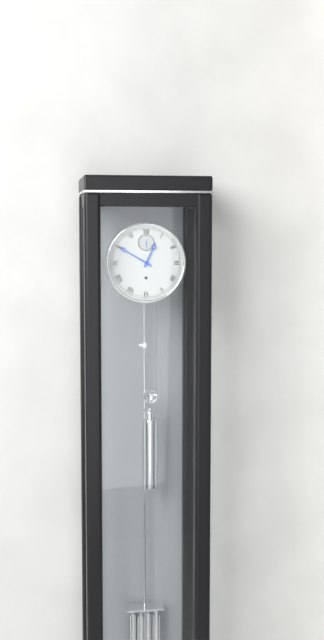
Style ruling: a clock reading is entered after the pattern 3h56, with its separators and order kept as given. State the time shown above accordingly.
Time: 12h50
